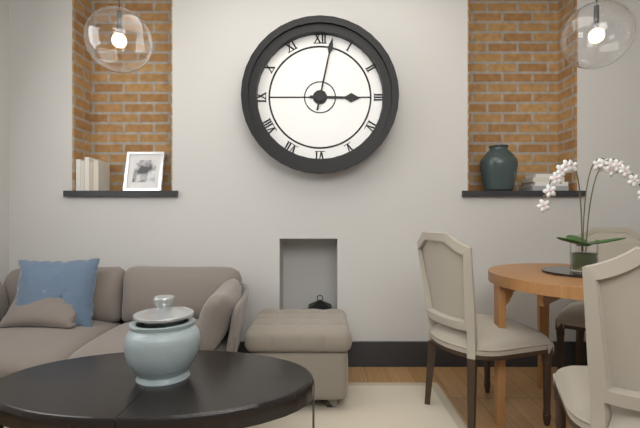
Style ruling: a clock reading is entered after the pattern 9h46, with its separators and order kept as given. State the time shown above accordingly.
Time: 3h02
